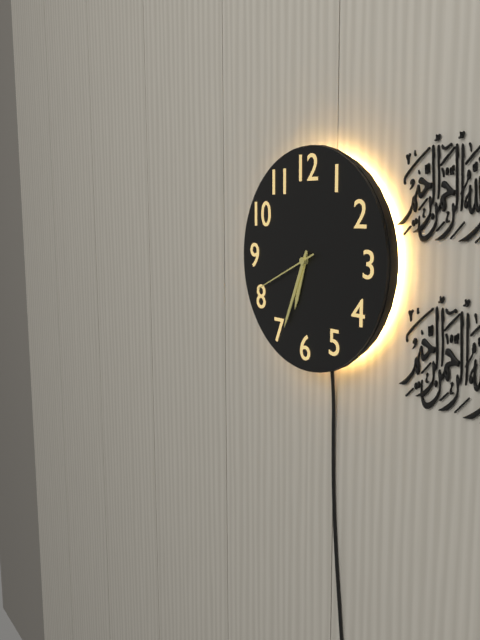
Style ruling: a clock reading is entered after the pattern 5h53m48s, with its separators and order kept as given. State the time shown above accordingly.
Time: 6h34m41s
